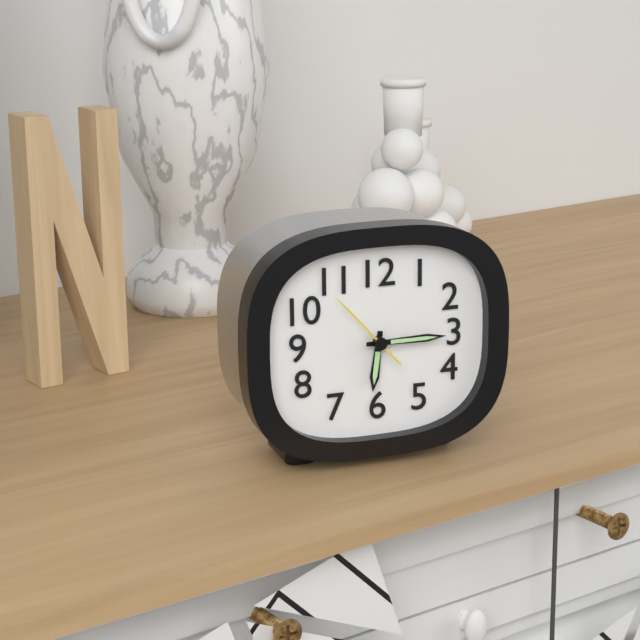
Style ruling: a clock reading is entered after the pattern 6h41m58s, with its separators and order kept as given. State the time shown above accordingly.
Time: 6h15m53s
